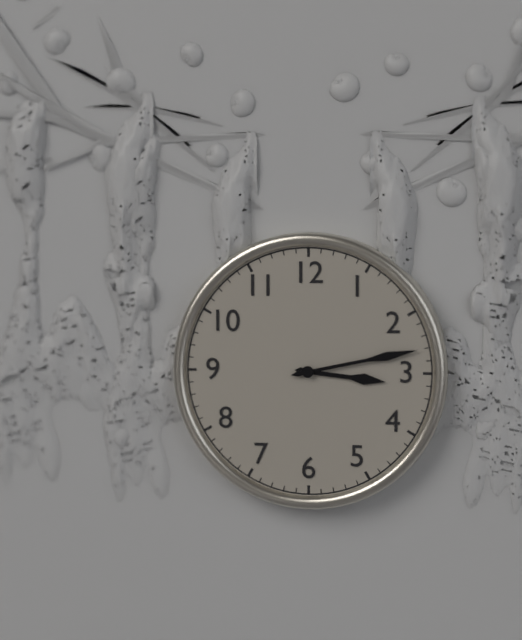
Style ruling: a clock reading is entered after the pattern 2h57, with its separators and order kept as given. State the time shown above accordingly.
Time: 3h13
